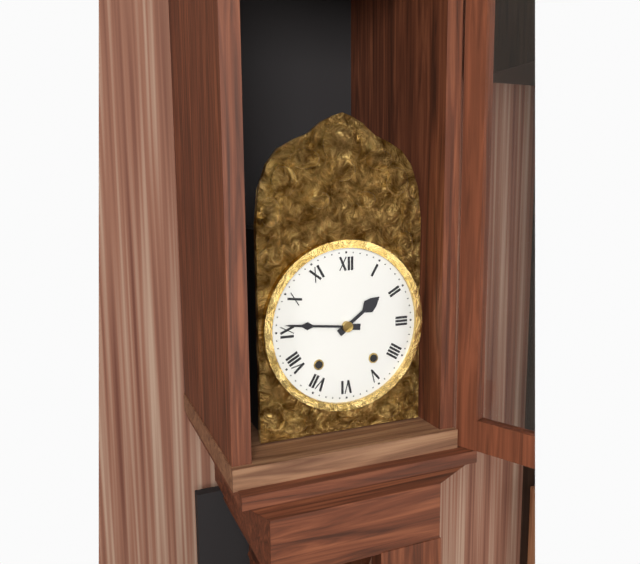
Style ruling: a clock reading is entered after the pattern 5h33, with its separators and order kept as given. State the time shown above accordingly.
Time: 1h46
